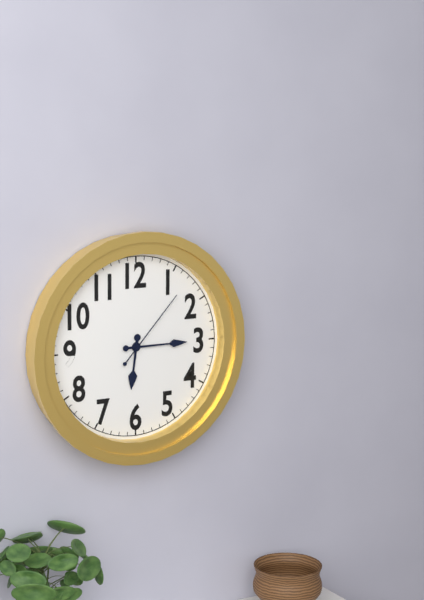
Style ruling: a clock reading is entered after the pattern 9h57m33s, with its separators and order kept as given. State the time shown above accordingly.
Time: 6h15m07s
